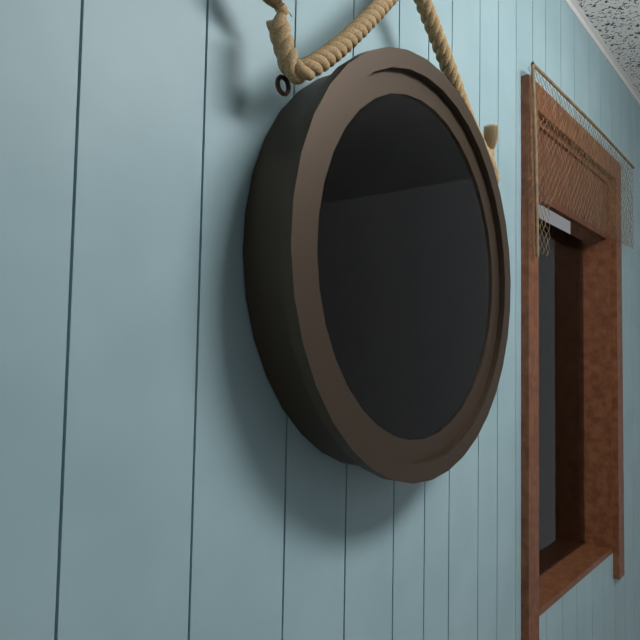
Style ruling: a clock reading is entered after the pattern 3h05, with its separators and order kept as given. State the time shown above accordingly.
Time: 6h29
